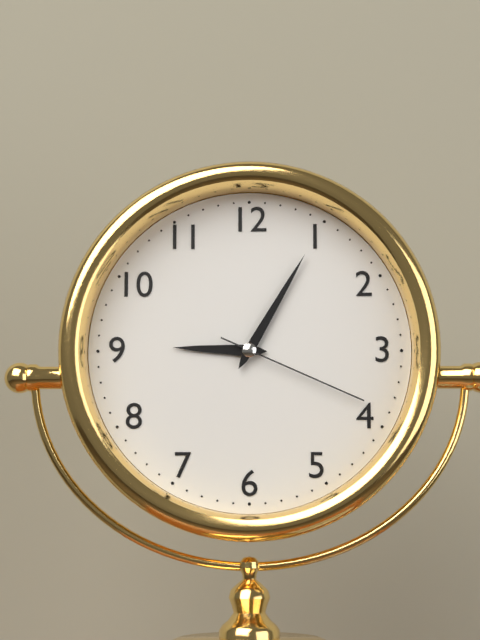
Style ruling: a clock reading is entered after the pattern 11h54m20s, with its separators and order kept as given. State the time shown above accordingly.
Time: 9h05m19s
